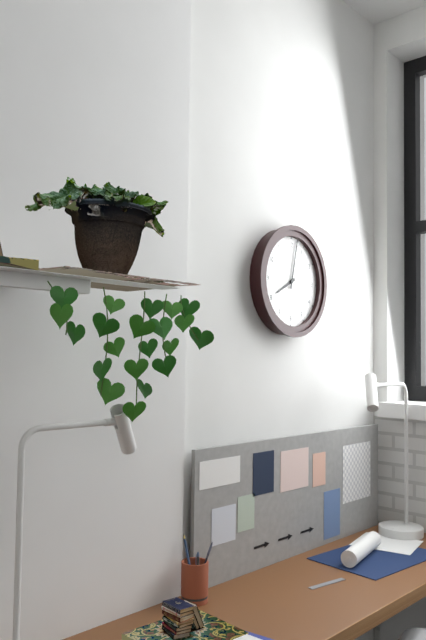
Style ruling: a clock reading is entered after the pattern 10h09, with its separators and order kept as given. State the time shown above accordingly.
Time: 8h02
